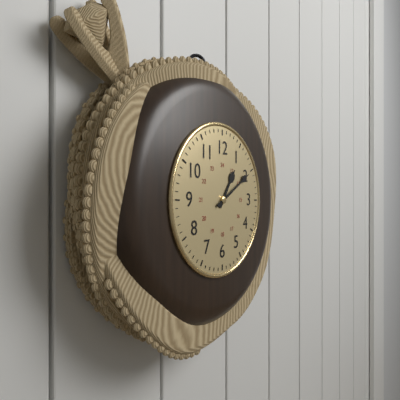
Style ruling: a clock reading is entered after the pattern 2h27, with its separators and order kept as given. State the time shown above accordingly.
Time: 1h10
